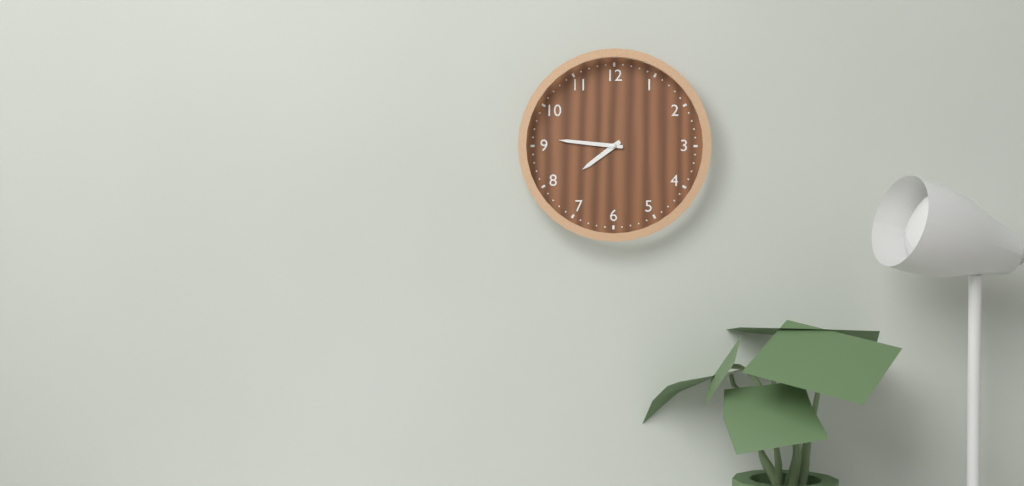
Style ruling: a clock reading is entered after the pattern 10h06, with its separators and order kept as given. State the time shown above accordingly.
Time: 7h46
